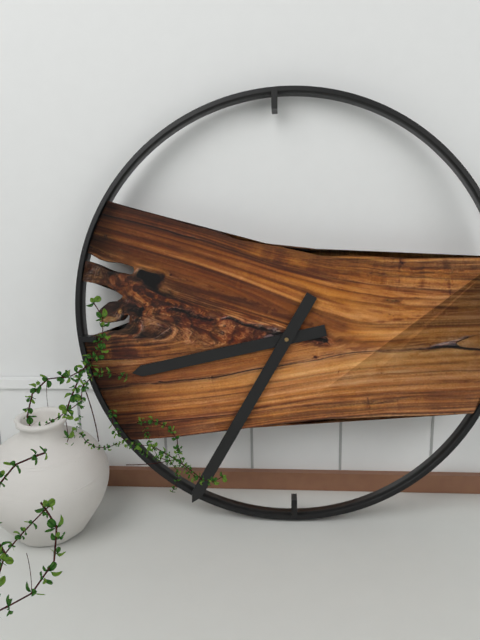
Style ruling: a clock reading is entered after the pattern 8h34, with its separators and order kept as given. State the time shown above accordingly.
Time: 8h35
